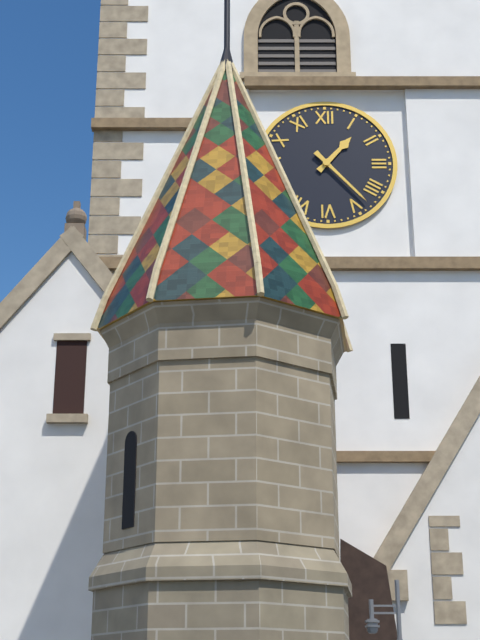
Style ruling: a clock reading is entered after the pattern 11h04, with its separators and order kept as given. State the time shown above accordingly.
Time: 1h23
